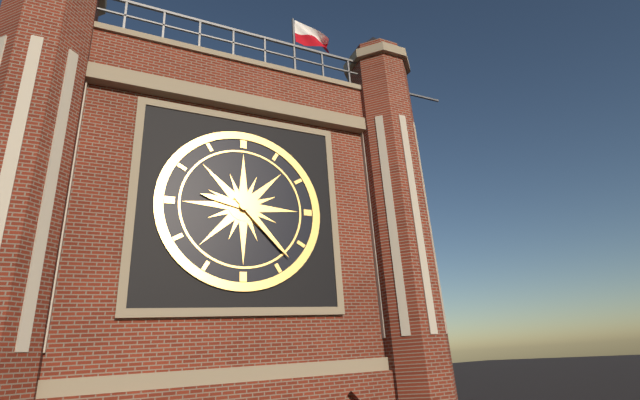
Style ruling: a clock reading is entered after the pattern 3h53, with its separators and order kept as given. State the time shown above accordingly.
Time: 9h23
